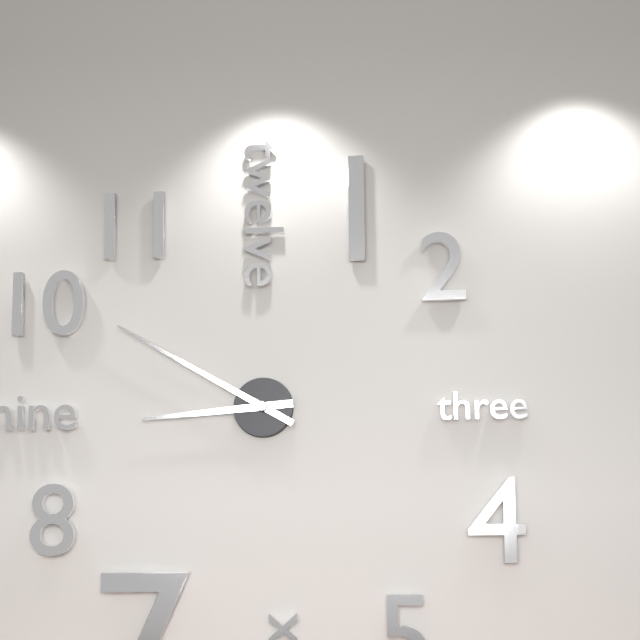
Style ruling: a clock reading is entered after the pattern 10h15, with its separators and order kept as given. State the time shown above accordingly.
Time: 8h50
